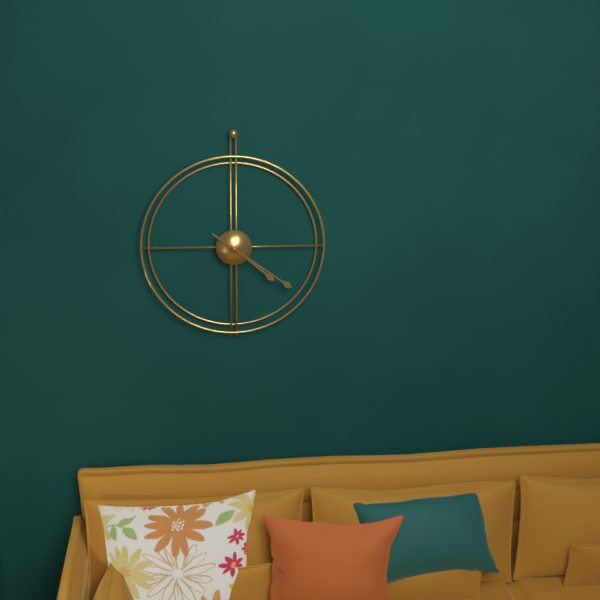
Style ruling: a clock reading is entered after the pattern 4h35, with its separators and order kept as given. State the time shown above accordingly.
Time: 4h21
